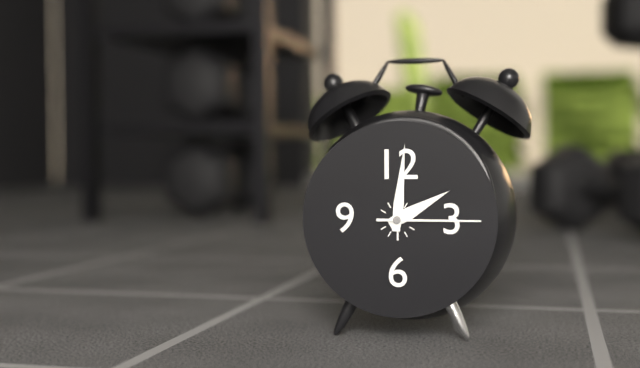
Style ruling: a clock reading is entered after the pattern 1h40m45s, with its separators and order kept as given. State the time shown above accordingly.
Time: 2h01m15s
